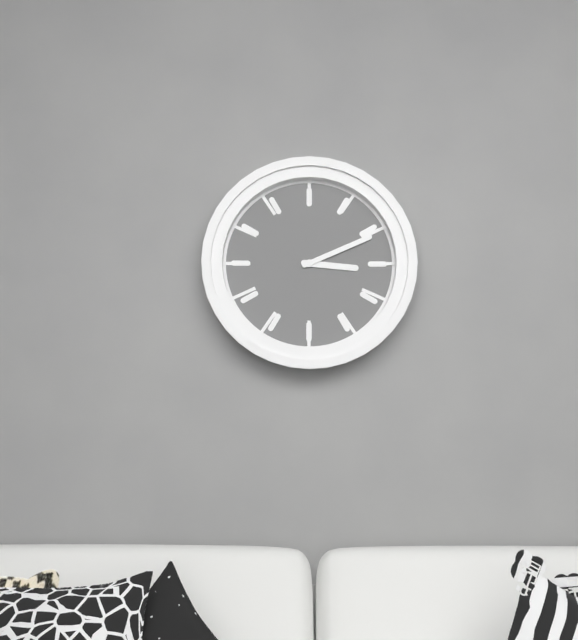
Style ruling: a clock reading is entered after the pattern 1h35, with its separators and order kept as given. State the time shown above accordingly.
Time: 3h11
